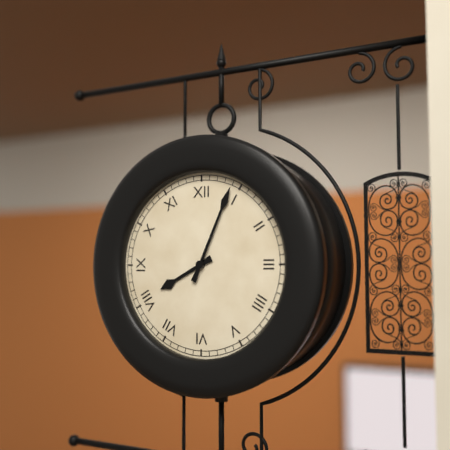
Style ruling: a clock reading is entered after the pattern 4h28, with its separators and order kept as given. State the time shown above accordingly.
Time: 8h04
